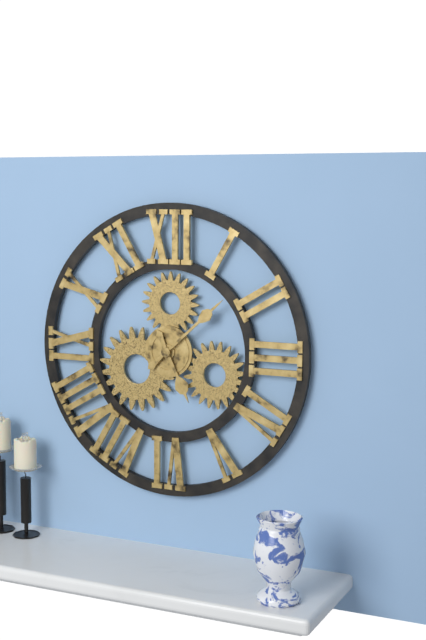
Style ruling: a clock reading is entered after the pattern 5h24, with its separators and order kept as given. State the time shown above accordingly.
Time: 5h08
